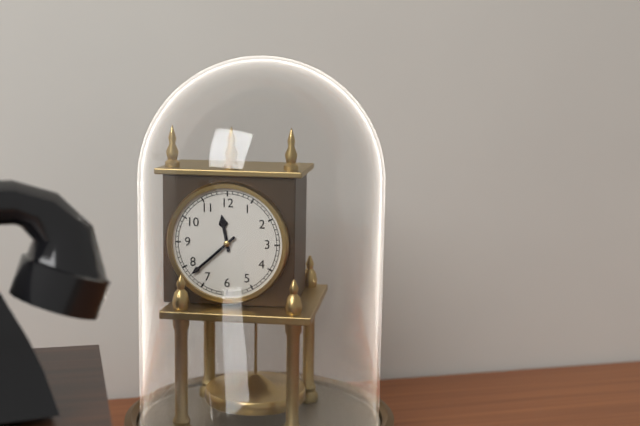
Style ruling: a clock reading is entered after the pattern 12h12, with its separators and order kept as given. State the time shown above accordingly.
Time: 11h38
